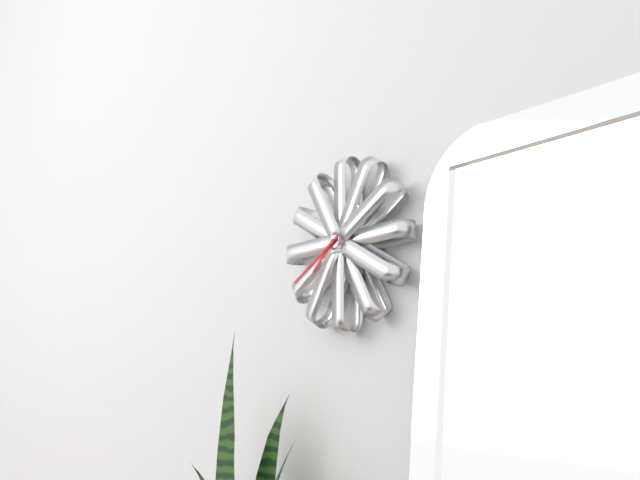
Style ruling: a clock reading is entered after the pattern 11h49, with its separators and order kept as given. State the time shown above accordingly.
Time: 7h40
